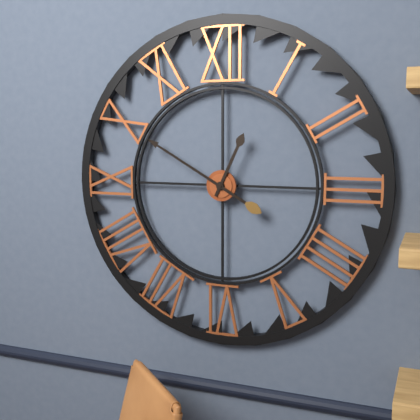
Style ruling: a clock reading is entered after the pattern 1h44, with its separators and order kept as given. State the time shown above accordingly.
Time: 12h50
